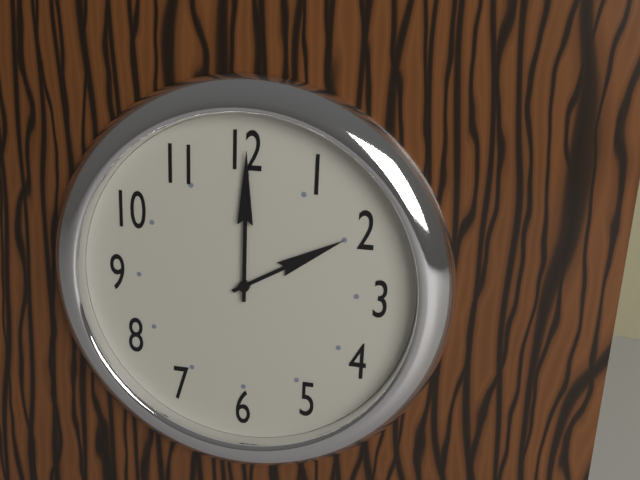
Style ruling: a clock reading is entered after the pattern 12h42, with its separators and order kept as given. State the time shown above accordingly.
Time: 2h00
